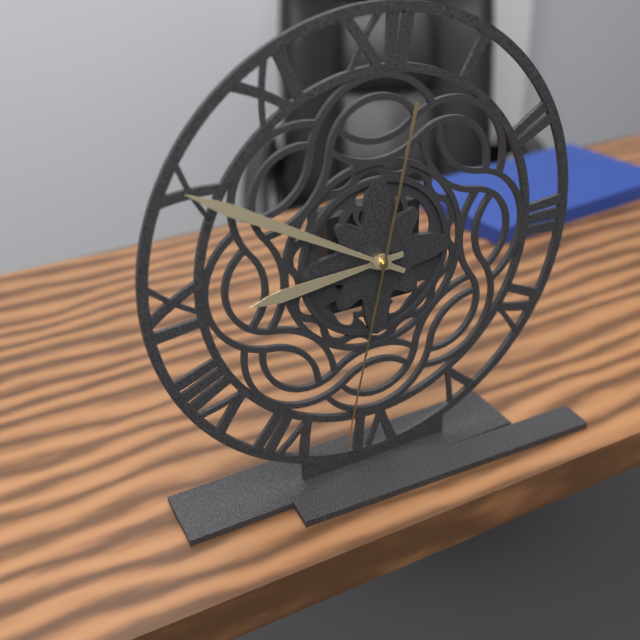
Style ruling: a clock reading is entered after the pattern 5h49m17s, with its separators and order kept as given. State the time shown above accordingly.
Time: 8h50m32s
